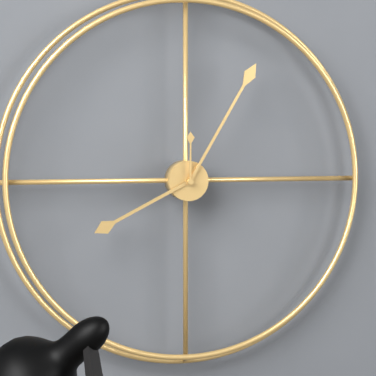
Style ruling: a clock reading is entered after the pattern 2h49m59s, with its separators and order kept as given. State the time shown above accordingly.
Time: 8h05m00s
